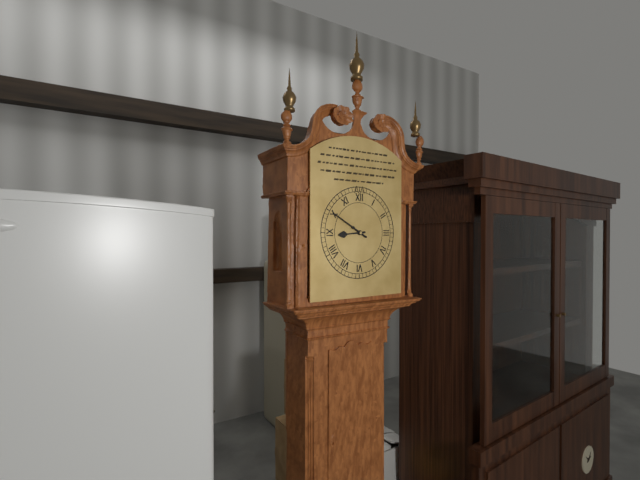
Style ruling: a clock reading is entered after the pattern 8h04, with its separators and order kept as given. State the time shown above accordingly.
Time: 8h50
